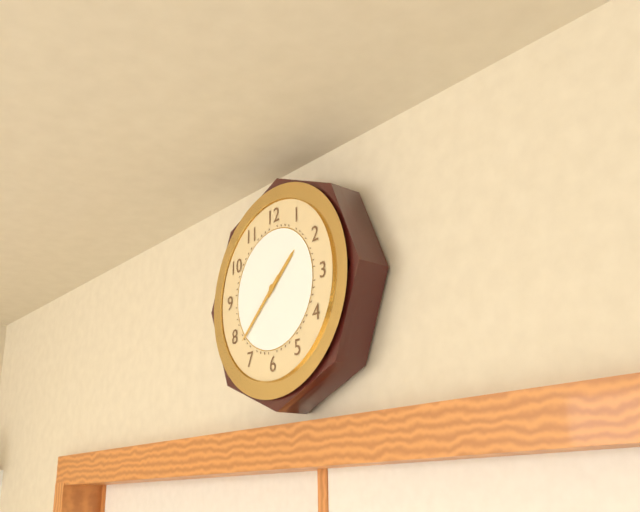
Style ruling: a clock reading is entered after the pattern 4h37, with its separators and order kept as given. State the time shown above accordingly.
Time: 1h38
